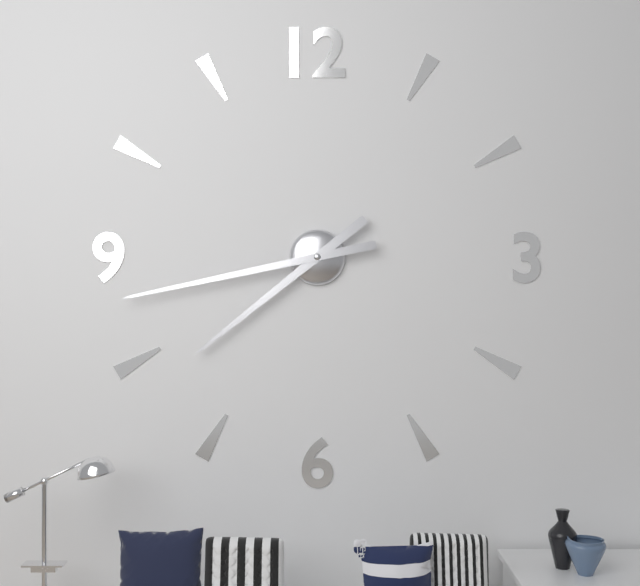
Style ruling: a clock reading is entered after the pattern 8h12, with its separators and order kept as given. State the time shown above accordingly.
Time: 7h43
